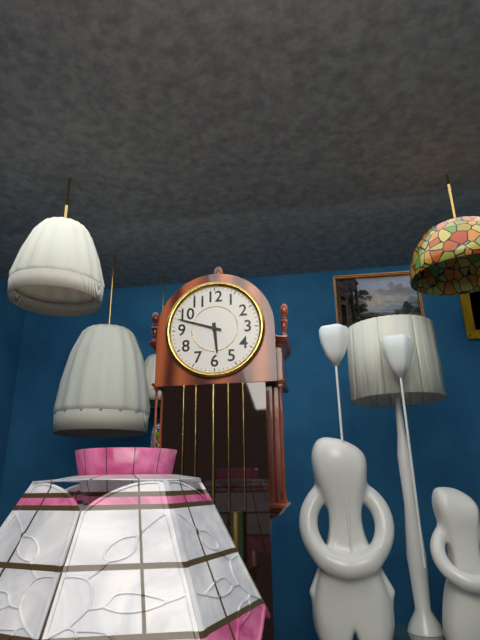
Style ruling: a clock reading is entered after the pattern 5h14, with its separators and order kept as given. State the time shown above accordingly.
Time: 5h48
